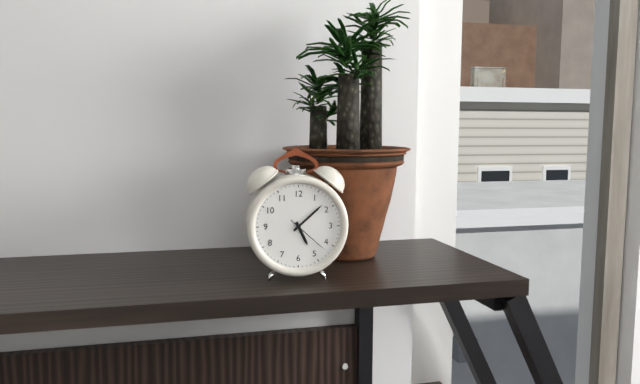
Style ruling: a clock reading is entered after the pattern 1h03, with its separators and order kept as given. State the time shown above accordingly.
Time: 5h08
